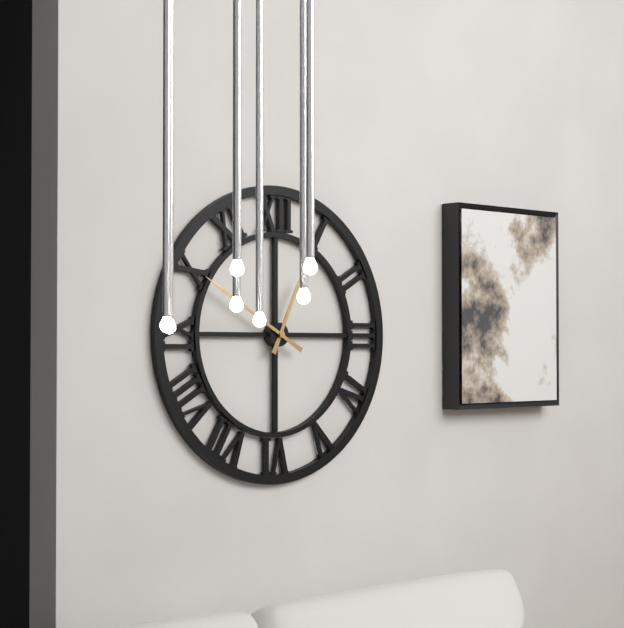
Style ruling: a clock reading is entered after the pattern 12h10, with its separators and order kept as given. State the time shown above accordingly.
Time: 12h50
